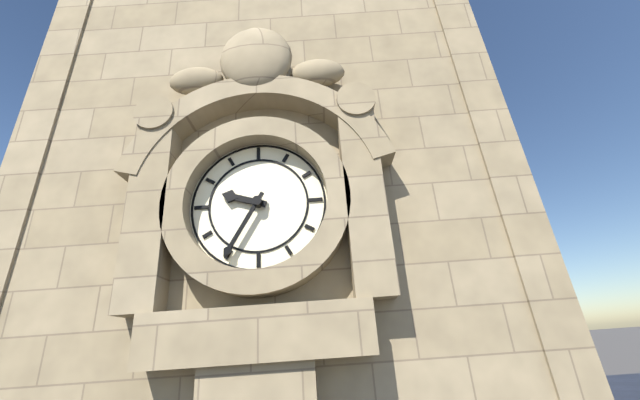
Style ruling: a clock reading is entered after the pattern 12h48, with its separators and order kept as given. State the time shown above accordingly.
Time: 9h35
